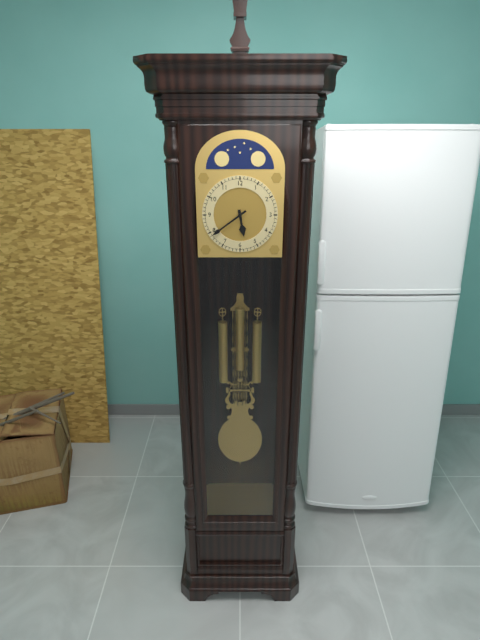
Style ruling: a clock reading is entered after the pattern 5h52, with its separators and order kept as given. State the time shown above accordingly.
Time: 5h39
